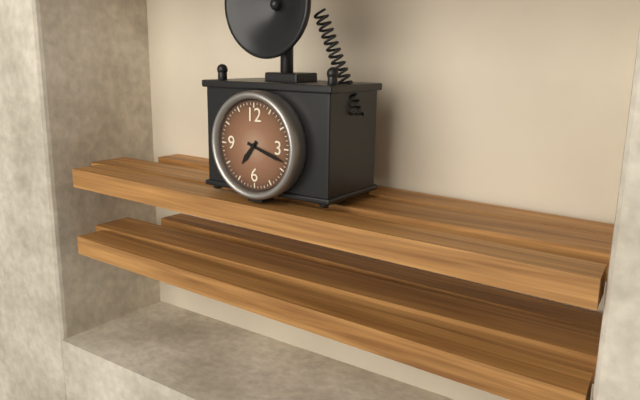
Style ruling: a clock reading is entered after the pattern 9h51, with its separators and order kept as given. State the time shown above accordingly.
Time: 7h18
